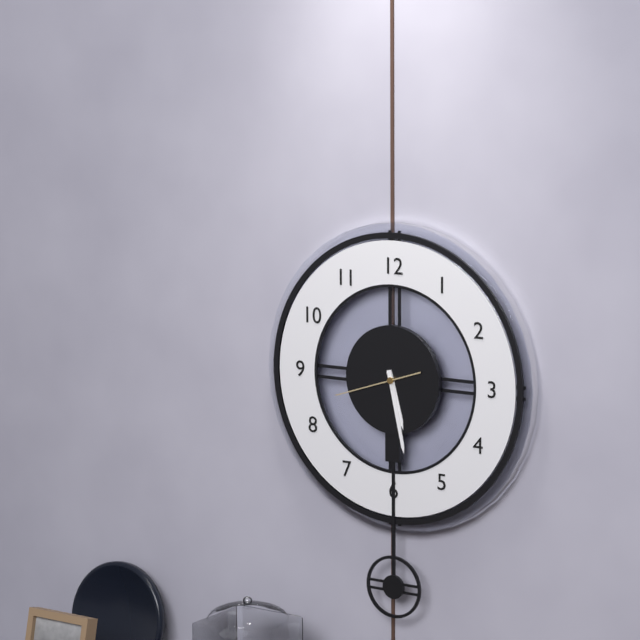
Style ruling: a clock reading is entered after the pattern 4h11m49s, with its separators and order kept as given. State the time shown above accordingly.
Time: 5h28m42s
